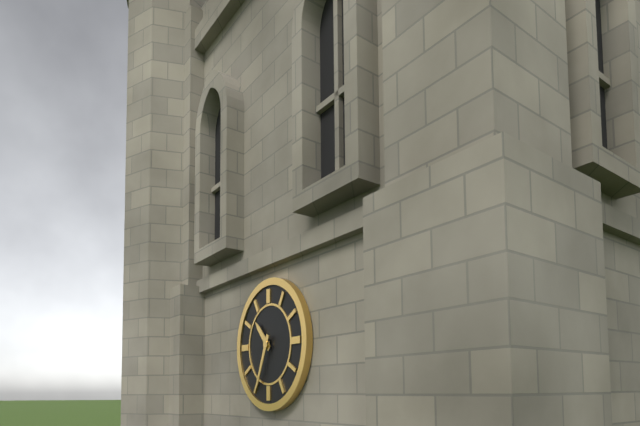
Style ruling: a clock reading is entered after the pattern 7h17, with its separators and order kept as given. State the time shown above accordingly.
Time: 10h34
